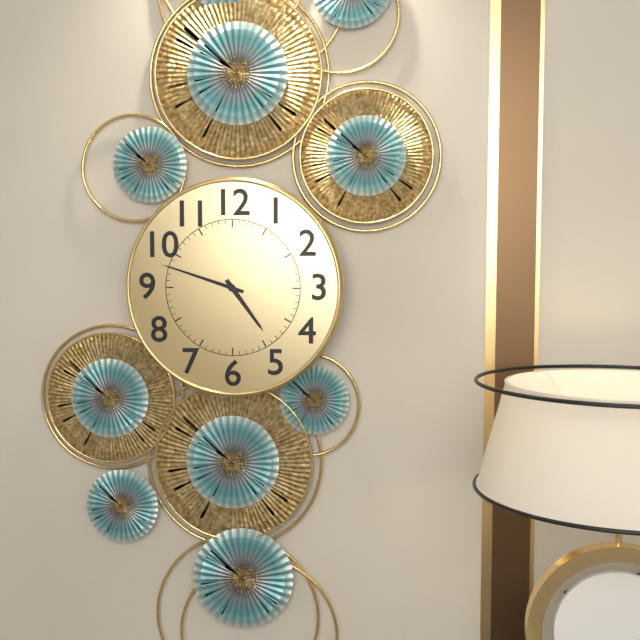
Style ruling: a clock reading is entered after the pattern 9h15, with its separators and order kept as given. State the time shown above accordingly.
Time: 4h48
